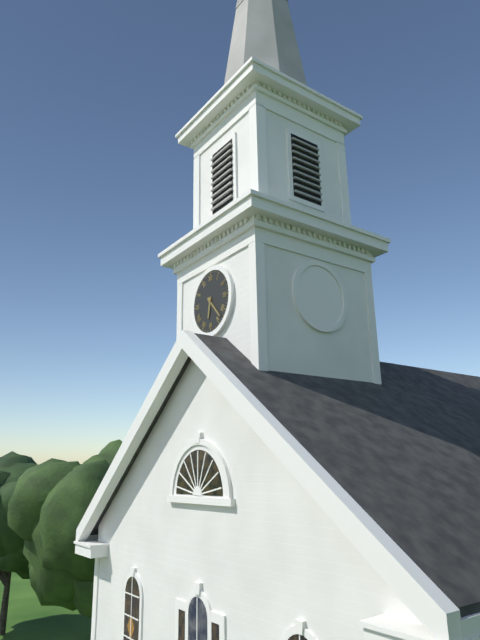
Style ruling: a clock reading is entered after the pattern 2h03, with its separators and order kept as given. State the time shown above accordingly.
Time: 6h23
